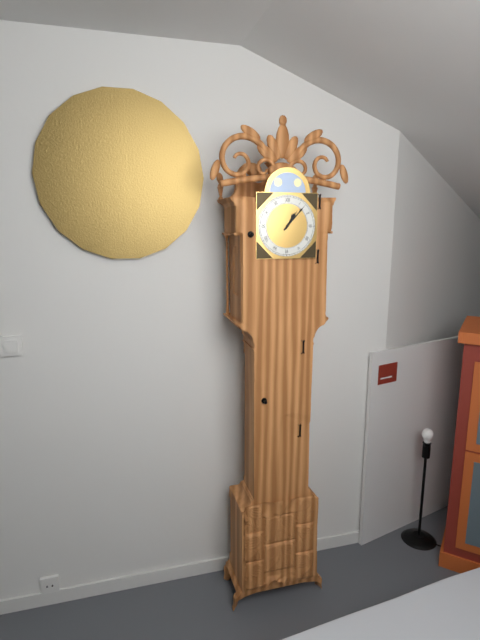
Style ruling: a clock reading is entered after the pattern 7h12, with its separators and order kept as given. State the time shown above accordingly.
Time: 1h07
